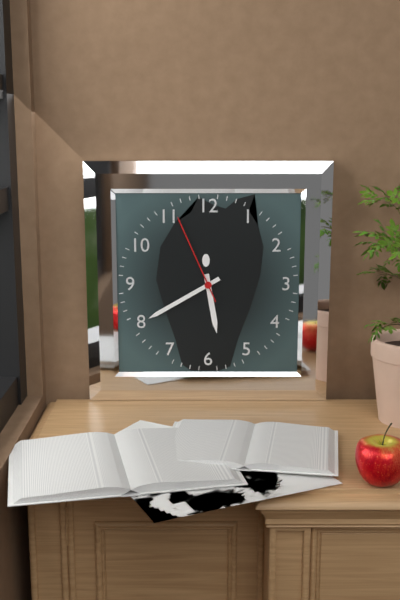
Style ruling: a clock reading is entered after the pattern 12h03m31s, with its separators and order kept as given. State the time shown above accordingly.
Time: 5h40m56s
